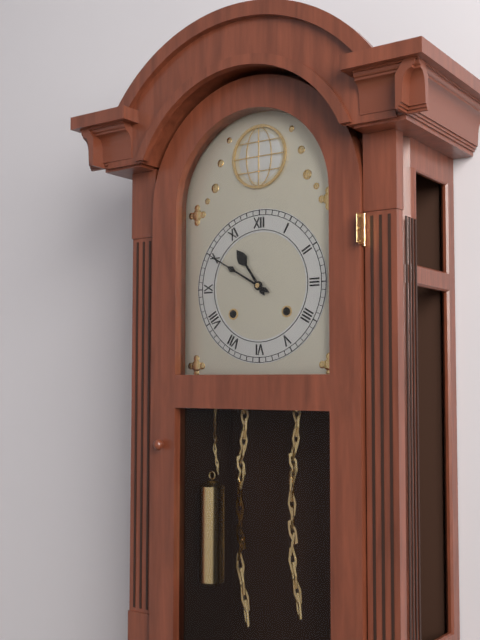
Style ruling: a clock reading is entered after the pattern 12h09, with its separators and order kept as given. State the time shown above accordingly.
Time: 10h50
